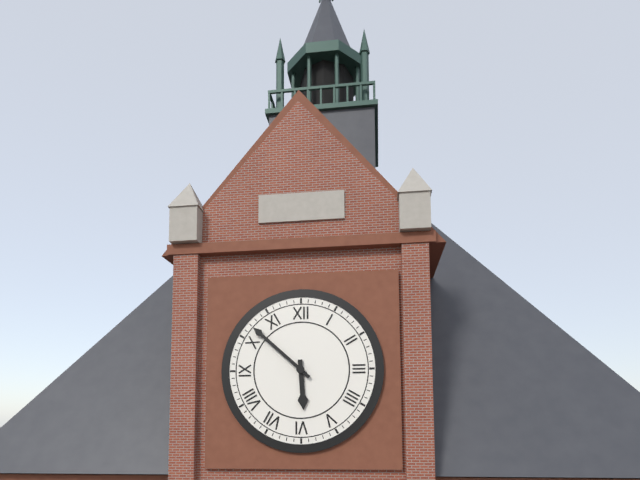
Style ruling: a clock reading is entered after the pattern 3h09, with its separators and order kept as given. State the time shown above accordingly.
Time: 5h52
